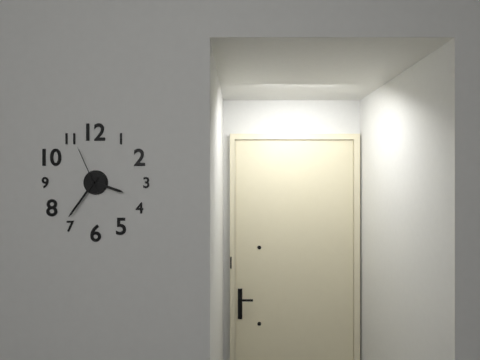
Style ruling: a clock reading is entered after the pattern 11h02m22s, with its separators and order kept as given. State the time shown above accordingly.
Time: 3h36m56s
